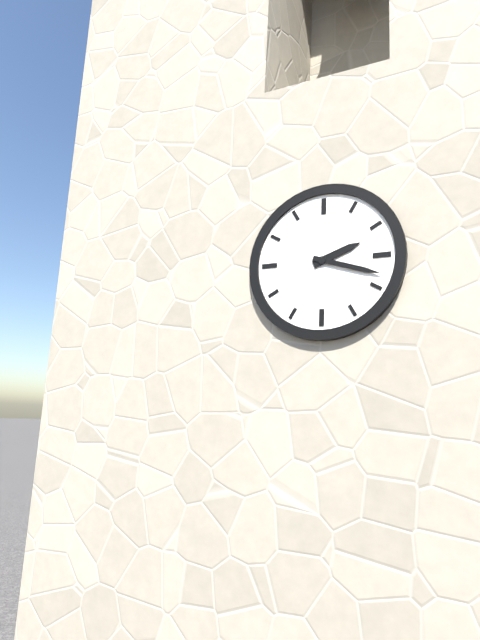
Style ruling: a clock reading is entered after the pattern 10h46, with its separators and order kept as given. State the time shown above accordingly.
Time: 2h18
